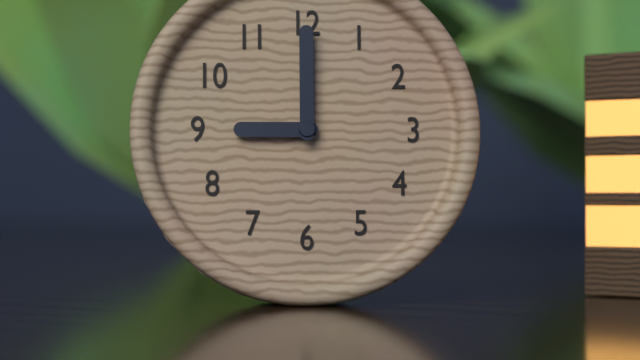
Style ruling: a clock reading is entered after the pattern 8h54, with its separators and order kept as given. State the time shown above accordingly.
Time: 9h00
